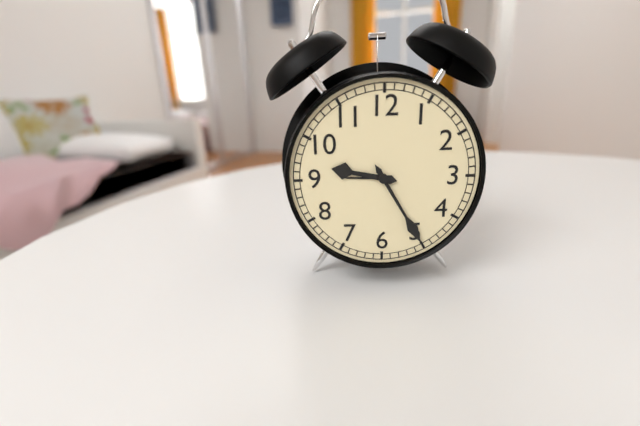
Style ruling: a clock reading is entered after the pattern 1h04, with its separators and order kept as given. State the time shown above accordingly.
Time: 9h25
